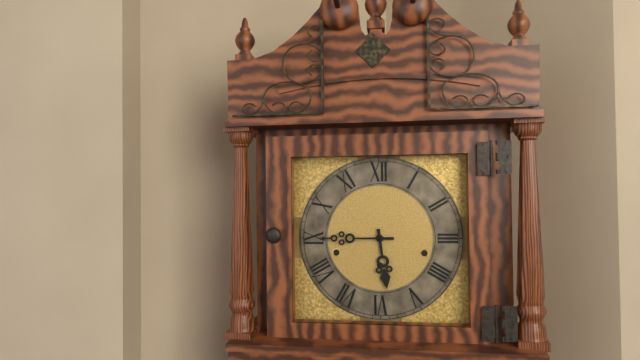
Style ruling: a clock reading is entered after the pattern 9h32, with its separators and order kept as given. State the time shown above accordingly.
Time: 5h45
